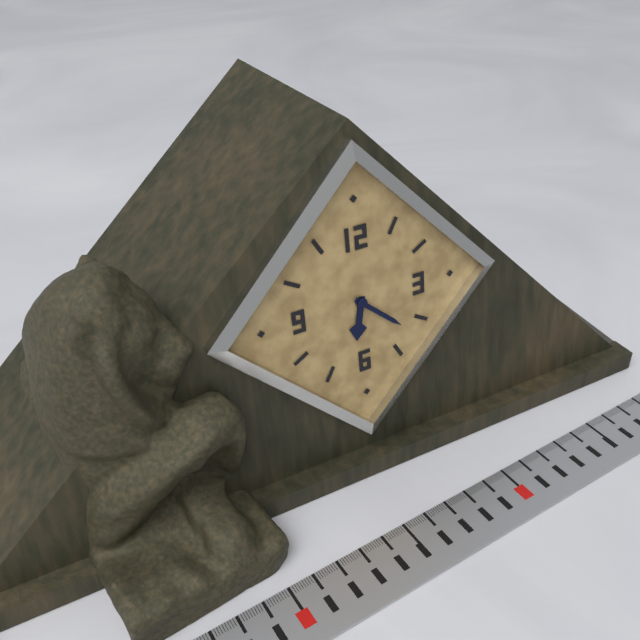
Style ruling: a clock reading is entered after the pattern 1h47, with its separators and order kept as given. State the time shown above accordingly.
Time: 6h22
